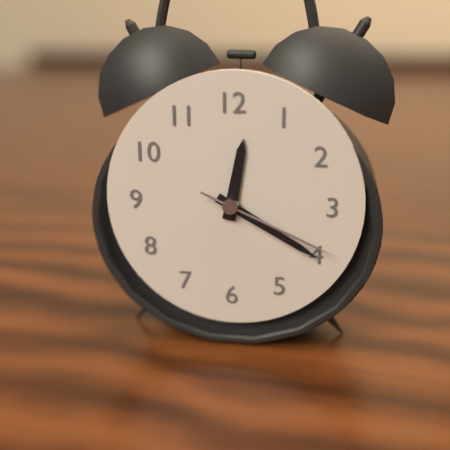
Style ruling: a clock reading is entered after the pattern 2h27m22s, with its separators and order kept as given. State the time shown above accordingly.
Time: 12h20m19s
